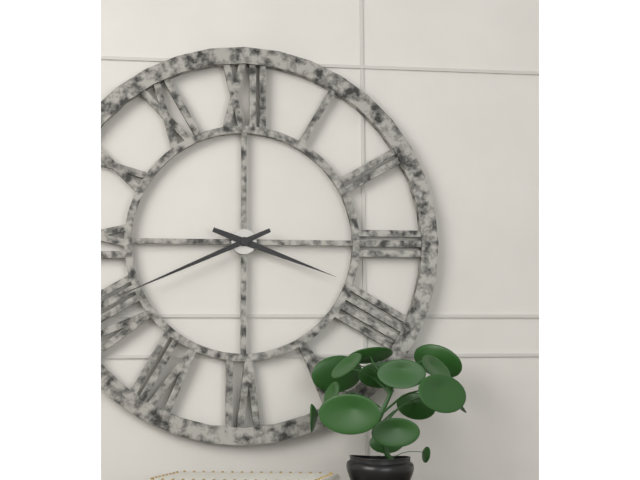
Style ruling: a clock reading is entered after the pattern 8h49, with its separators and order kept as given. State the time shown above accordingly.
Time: 3h41
